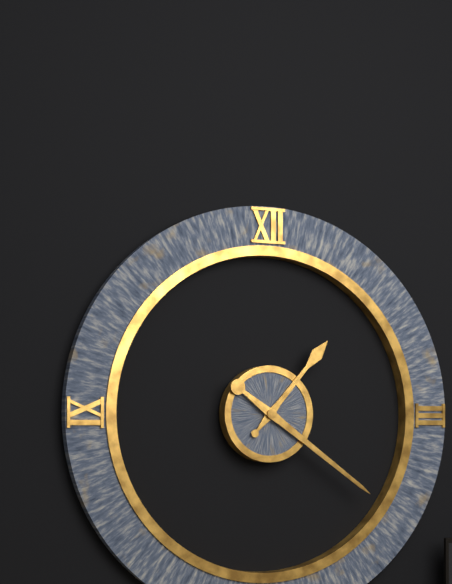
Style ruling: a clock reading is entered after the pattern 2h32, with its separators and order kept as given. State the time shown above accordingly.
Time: 1h21
